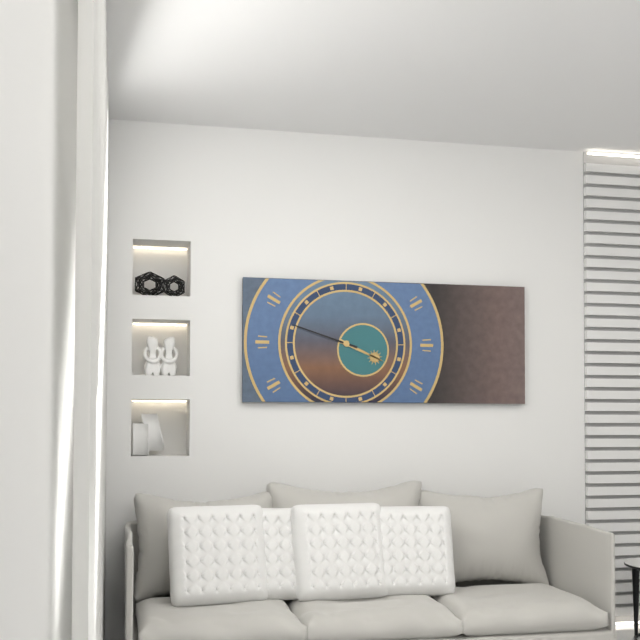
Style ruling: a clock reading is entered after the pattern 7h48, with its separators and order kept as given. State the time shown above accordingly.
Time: 3h48
